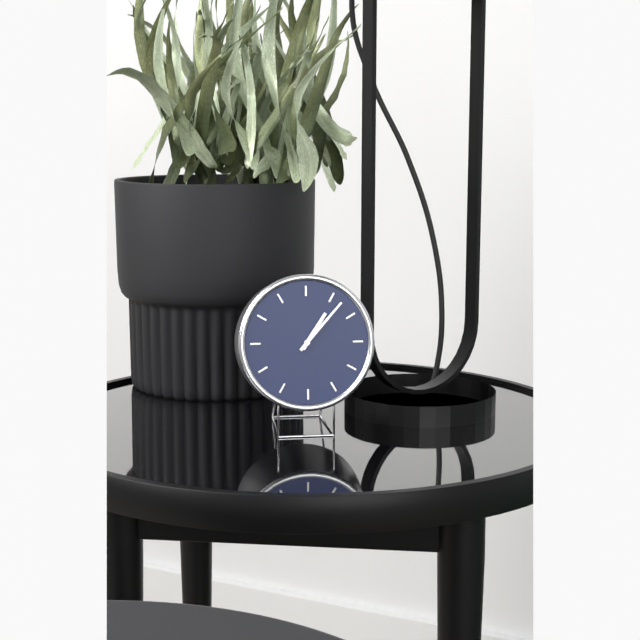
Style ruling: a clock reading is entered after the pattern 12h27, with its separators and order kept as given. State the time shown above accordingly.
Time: 1h07
